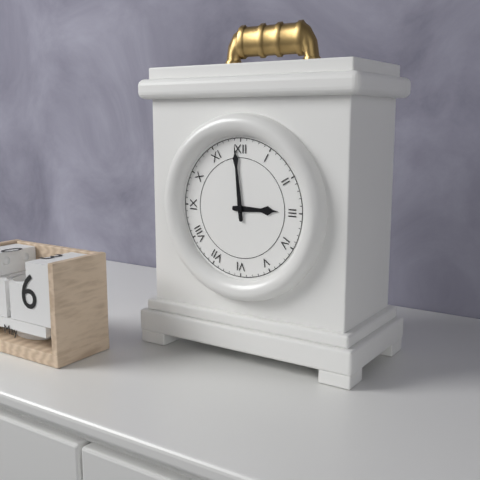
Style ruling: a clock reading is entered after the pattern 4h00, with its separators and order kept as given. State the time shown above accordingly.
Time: 2h59
